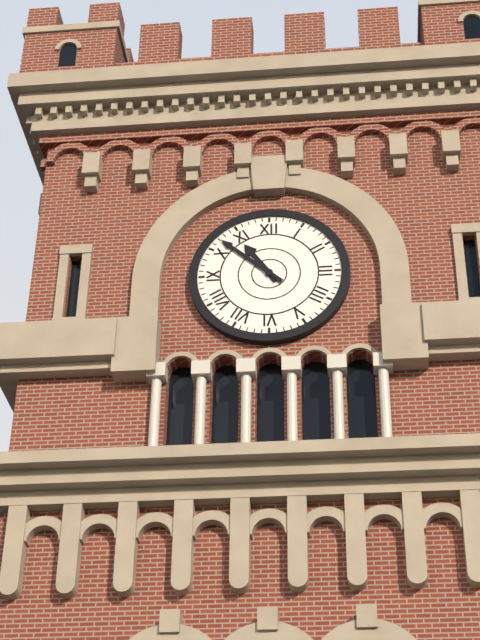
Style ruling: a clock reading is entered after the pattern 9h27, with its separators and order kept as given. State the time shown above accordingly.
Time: 10h52
